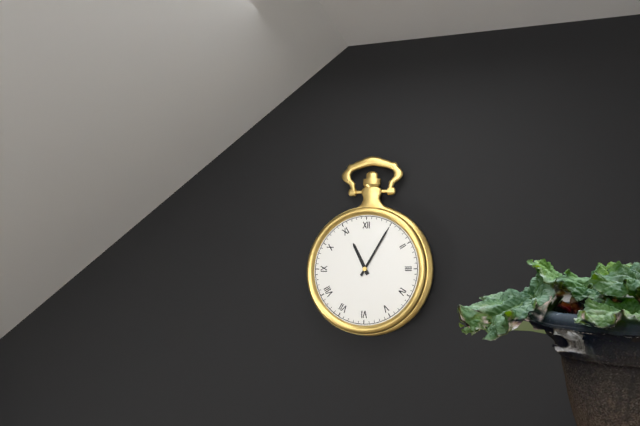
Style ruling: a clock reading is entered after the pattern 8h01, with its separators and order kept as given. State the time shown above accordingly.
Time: 11h05
